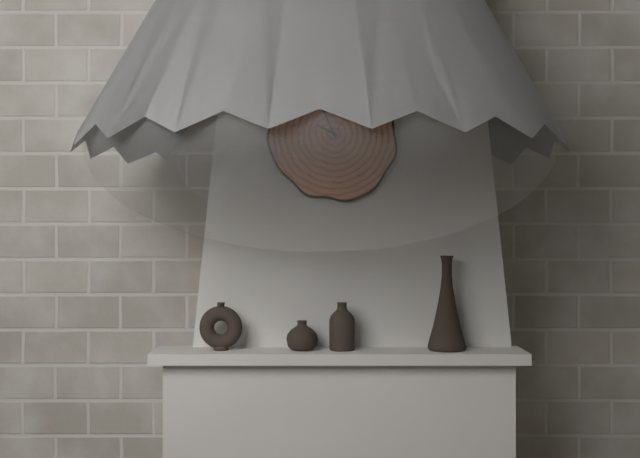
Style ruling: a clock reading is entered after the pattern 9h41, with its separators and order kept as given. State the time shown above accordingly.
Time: 9h56
